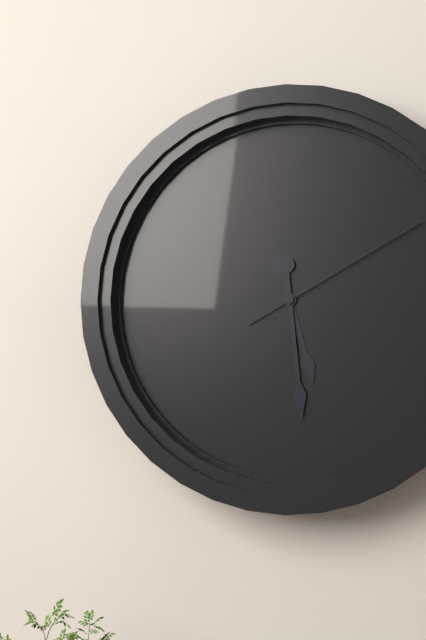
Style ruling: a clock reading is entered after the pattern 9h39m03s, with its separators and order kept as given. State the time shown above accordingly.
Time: 5h29m10s
